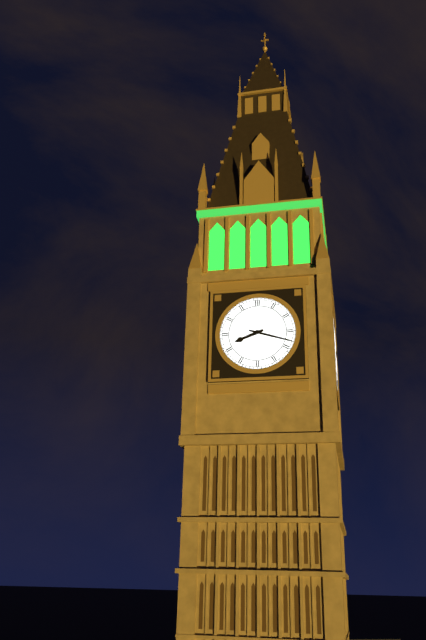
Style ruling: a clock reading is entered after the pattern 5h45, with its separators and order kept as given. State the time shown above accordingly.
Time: 8h18
